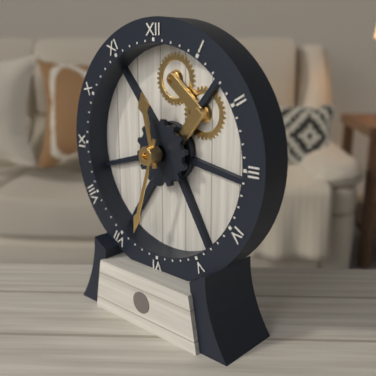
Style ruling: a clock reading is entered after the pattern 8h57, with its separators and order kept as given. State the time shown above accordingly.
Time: 11h33
